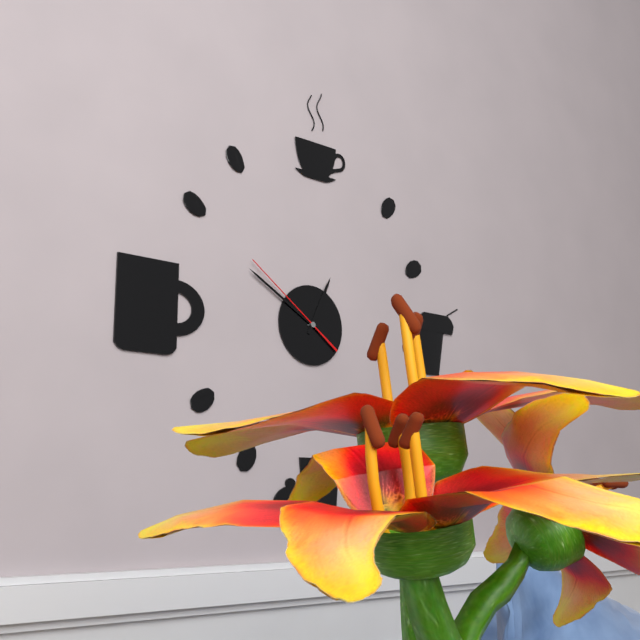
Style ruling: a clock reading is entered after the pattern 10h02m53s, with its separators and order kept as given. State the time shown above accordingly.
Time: 12h50m51s
